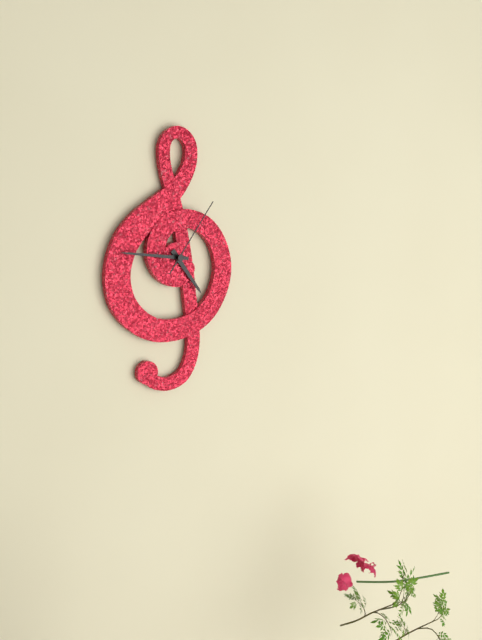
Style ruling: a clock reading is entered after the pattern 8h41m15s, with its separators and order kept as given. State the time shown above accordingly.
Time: 4h46m06s
